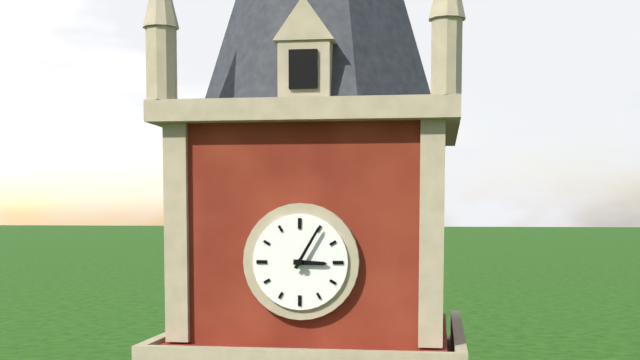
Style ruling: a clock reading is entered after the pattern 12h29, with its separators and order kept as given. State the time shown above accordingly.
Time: 3h05
